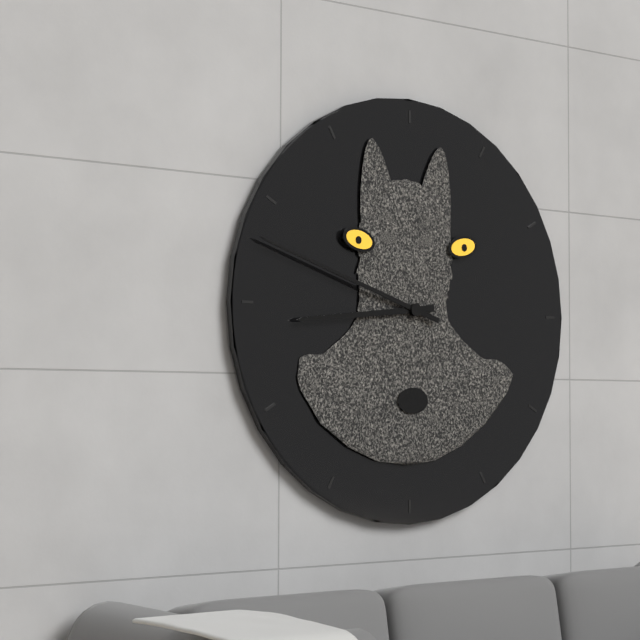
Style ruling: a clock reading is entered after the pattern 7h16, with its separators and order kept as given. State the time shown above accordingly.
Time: 8h48
